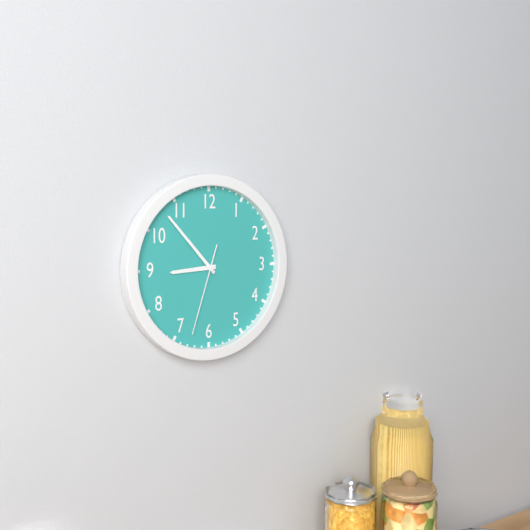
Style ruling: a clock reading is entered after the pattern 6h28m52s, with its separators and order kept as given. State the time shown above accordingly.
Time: 8h53m33s
